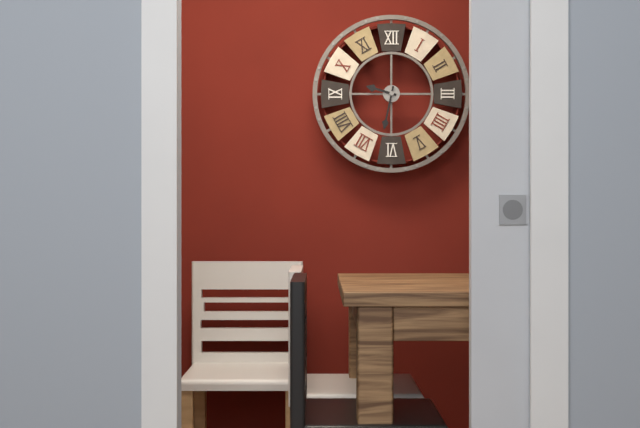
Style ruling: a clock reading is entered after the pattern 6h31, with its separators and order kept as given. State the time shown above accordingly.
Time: 9h32
